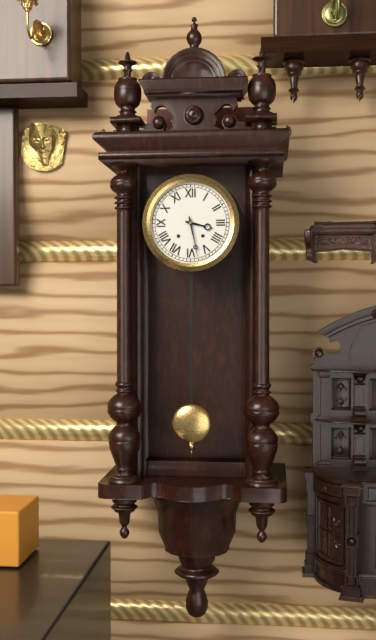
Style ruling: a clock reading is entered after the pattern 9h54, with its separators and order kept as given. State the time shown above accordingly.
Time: 3h28
